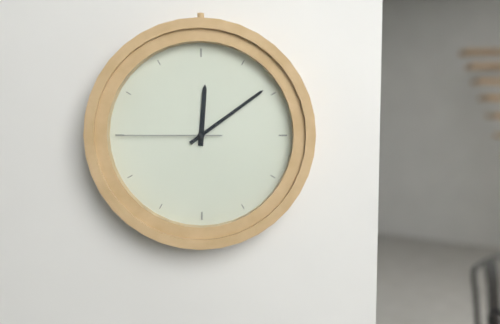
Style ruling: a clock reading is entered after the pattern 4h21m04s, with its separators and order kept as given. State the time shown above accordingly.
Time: 12h09m45s
